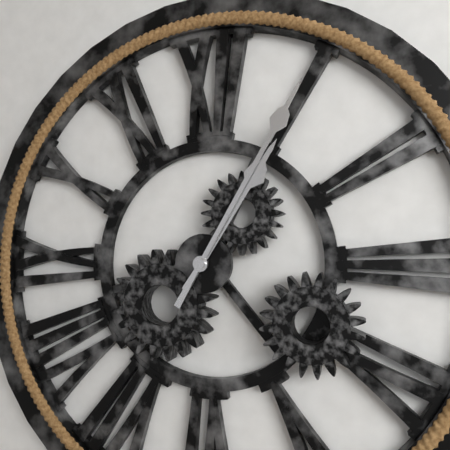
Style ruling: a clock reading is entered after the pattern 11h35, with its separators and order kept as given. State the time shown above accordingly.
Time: 1h05
